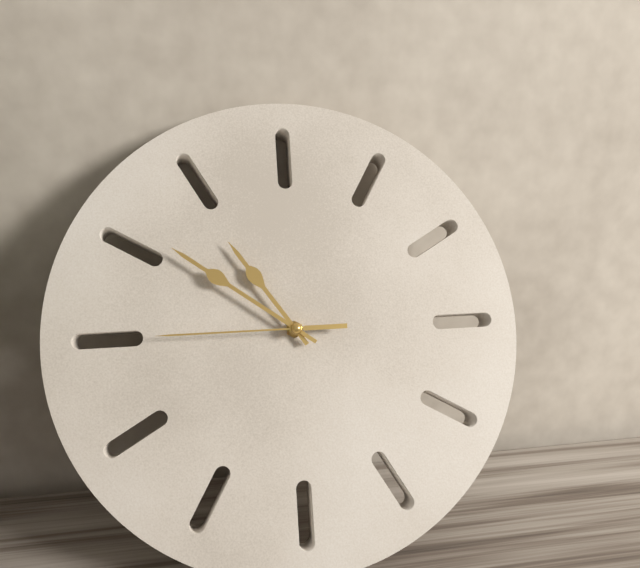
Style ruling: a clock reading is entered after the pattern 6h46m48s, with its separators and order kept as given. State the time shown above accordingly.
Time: 10h51m45s
